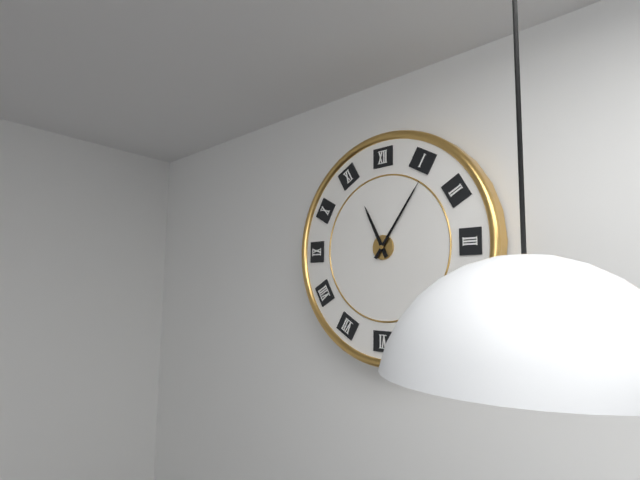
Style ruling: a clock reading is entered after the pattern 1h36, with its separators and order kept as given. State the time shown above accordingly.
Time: 11h06
